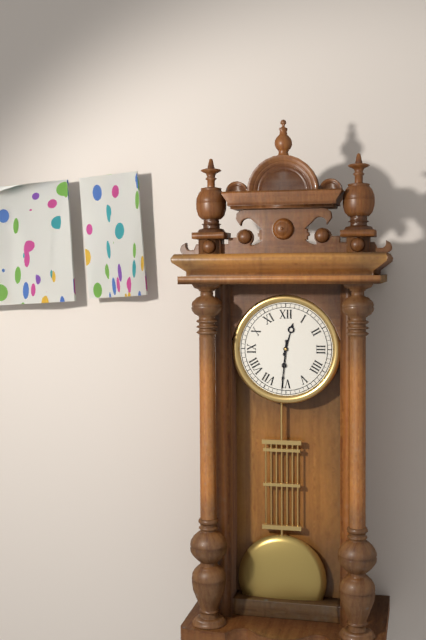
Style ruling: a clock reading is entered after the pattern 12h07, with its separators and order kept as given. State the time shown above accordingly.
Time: 12h31
